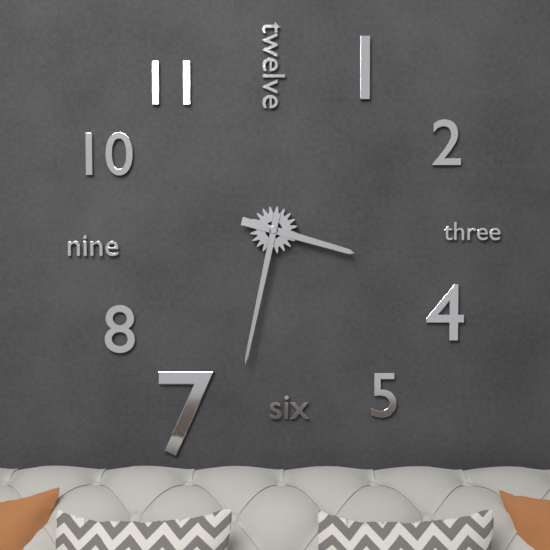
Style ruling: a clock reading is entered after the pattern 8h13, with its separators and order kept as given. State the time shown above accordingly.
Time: 3h32
